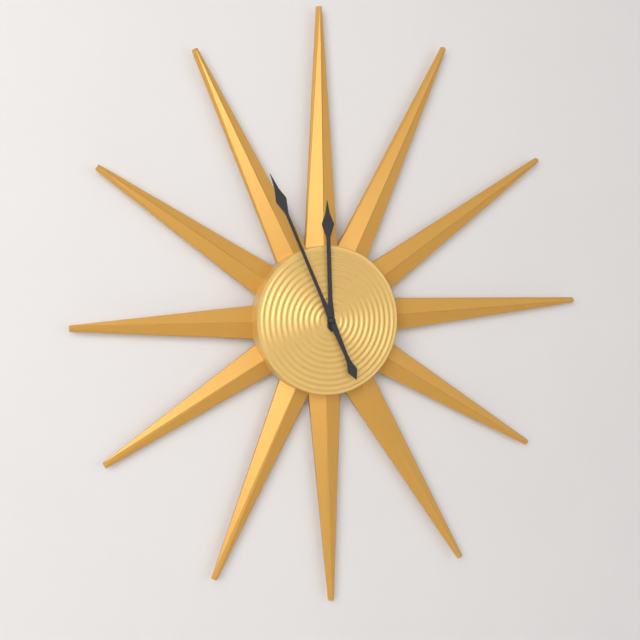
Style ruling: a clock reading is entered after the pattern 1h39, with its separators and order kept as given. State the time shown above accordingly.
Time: 11h56
